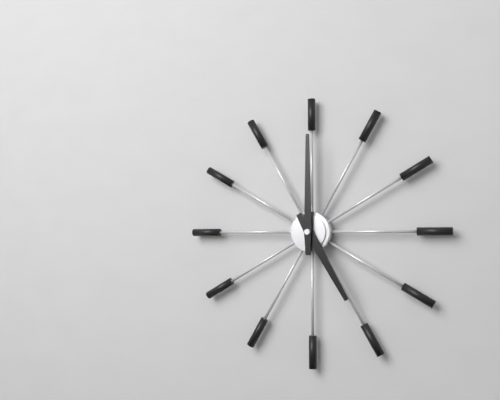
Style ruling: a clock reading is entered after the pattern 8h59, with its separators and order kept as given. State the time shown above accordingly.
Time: 5h00
